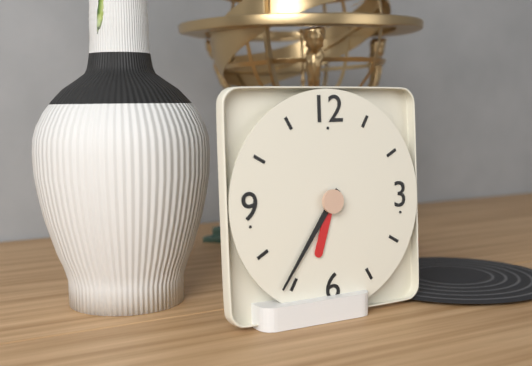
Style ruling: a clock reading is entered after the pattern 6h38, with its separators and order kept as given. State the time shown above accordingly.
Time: 6h36
